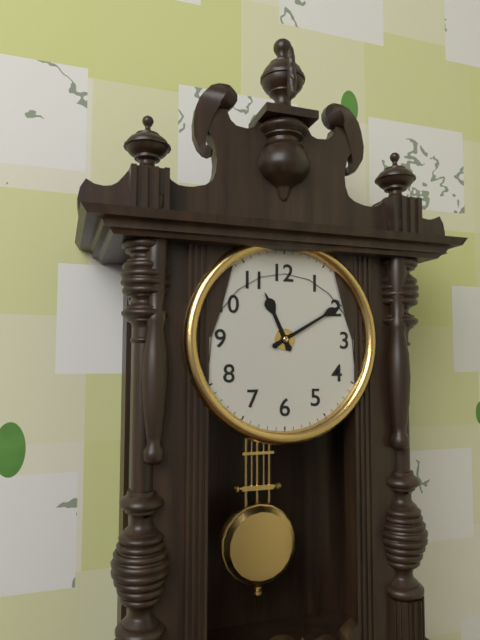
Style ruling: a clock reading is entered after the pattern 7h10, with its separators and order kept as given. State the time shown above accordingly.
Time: 11h10
